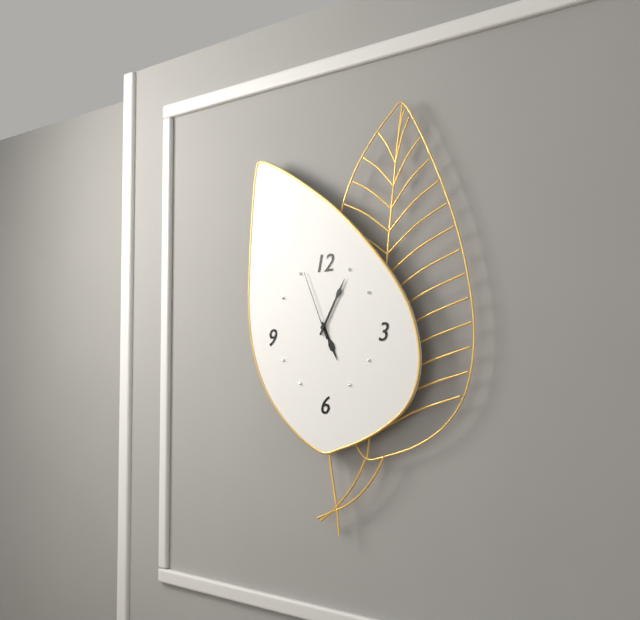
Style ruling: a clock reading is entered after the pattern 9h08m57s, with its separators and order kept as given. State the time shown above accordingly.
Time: 5h05m56s
